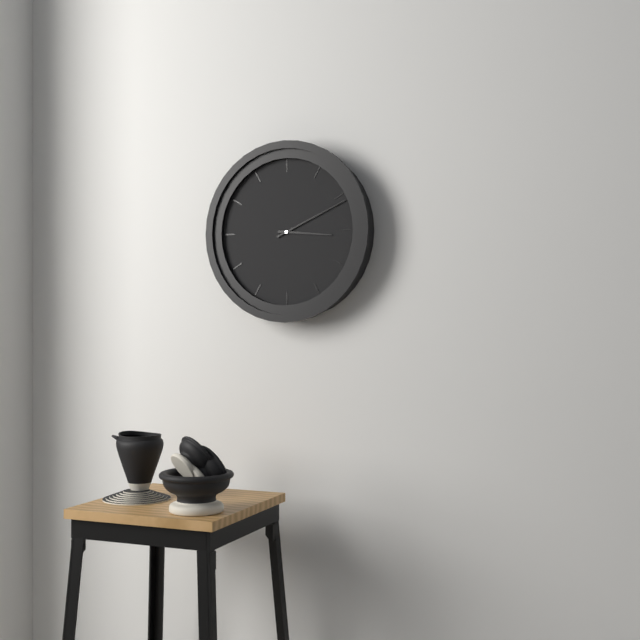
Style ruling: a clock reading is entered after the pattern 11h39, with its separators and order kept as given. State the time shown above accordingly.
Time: 3h11
